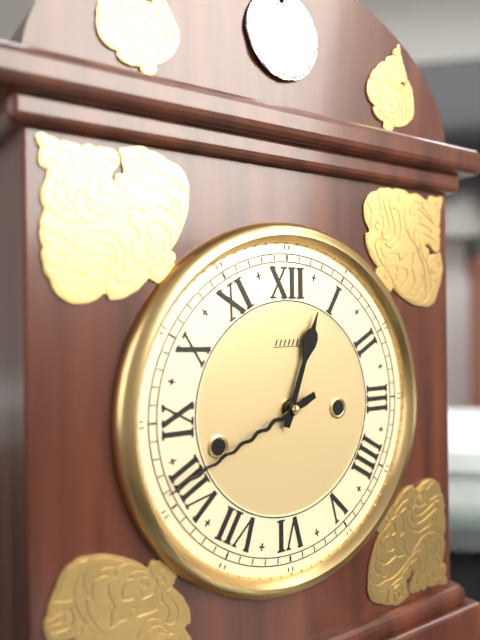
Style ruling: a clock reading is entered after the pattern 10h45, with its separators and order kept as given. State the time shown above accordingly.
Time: 12h41
